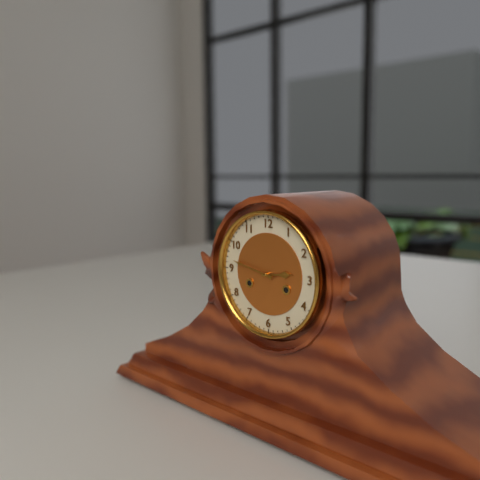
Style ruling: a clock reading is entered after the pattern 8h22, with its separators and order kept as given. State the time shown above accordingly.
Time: 2h47
